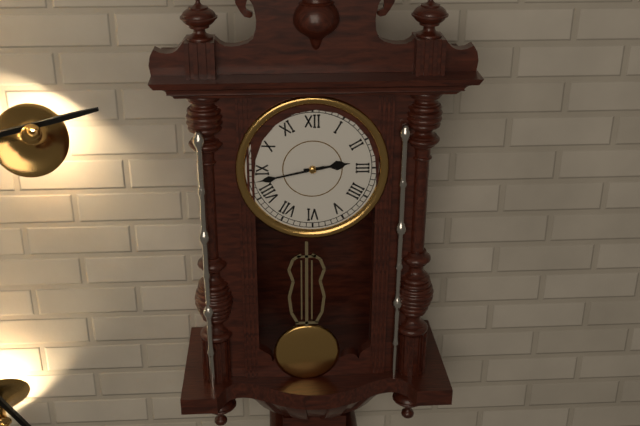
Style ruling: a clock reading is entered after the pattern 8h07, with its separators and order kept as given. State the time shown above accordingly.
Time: 2h43
